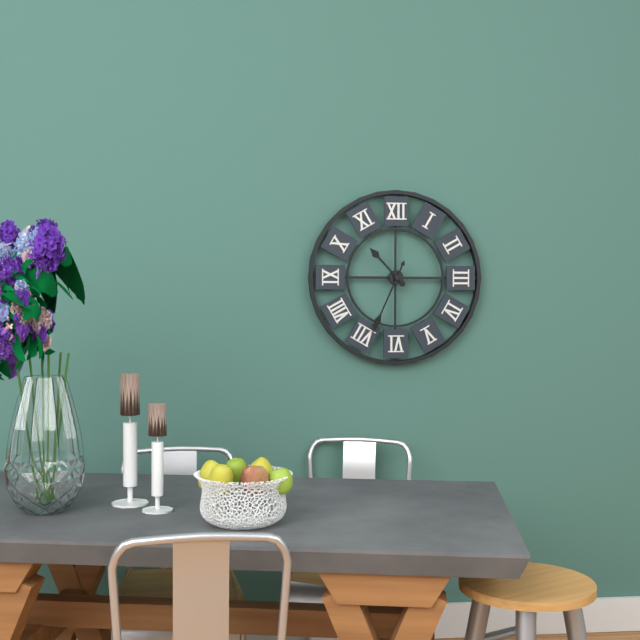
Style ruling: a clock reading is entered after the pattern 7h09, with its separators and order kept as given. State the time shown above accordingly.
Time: 10h34
